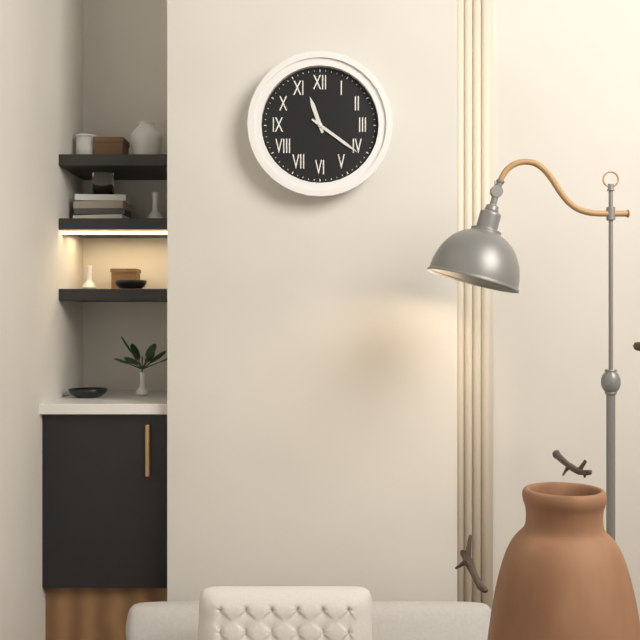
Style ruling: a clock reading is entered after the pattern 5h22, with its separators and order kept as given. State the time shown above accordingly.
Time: 11h21
